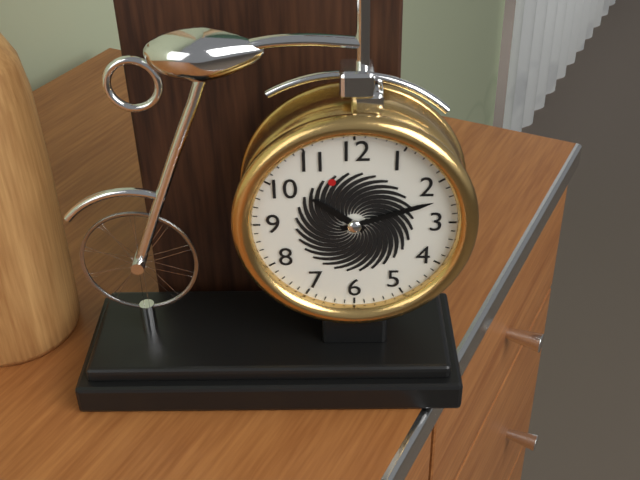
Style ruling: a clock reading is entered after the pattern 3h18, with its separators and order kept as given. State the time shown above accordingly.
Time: 10h12
